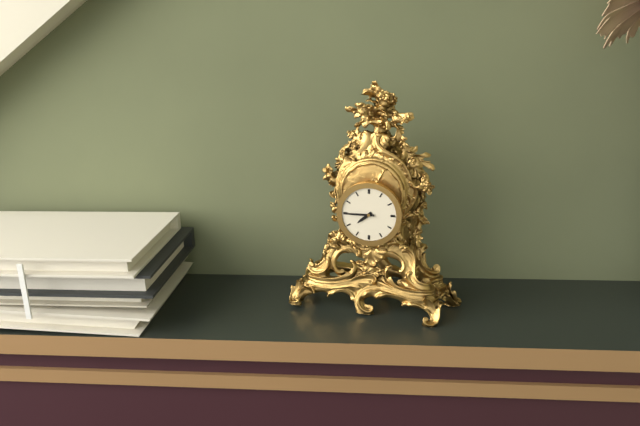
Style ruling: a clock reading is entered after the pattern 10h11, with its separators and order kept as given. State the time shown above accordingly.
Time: 7h45
